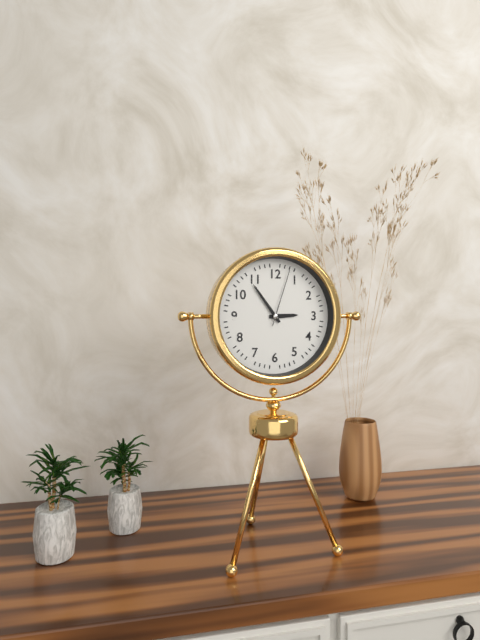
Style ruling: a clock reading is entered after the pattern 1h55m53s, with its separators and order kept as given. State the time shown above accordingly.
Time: 2h54m03s
